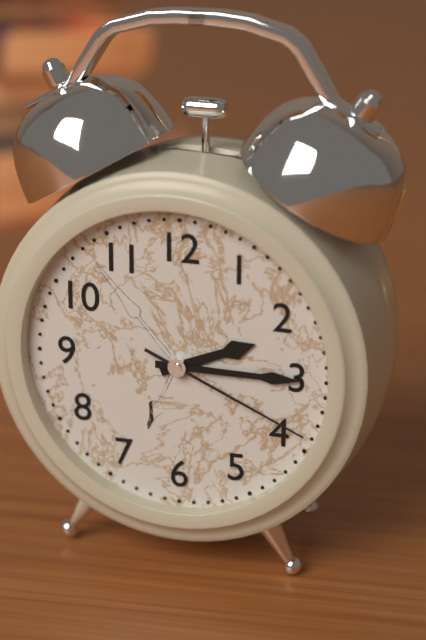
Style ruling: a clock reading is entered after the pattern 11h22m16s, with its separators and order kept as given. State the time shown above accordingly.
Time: 2h15m19s
